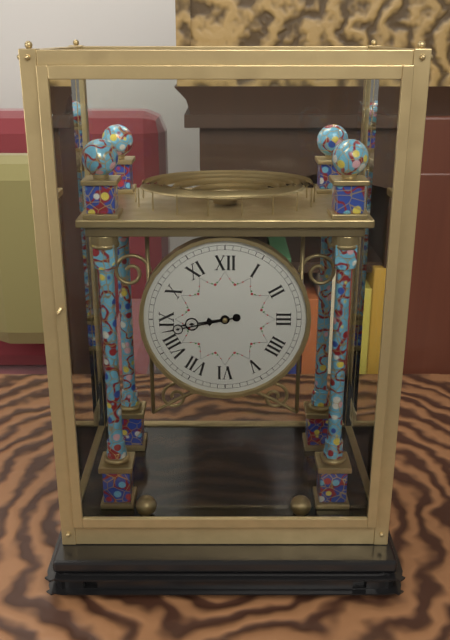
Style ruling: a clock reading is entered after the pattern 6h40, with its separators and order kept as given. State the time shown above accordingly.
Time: 8h43
